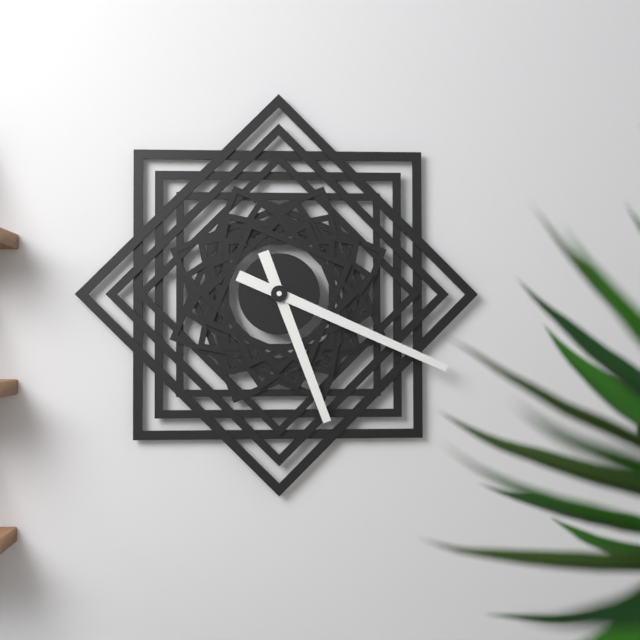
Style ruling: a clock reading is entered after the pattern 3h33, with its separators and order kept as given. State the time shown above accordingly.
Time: 5h19
